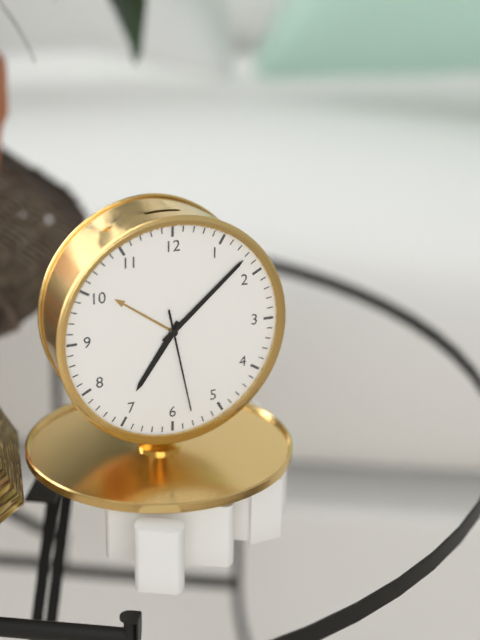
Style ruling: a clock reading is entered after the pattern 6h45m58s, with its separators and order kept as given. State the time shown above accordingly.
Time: 7h08m28s
